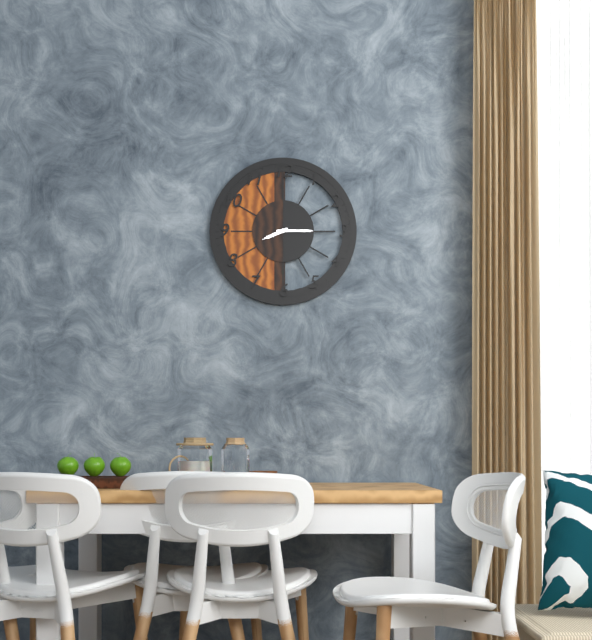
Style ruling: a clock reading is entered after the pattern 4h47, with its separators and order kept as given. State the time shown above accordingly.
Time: 8h15
